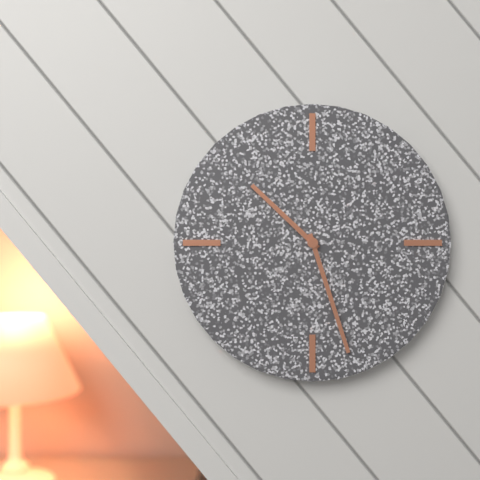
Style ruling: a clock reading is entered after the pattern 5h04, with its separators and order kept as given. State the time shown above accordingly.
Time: 10h27
